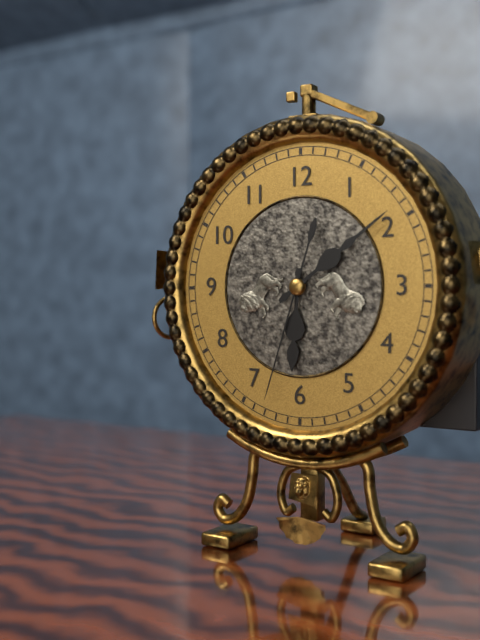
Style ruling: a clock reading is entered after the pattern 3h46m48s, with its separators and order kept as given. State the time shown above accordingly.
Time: 6h09m33s
